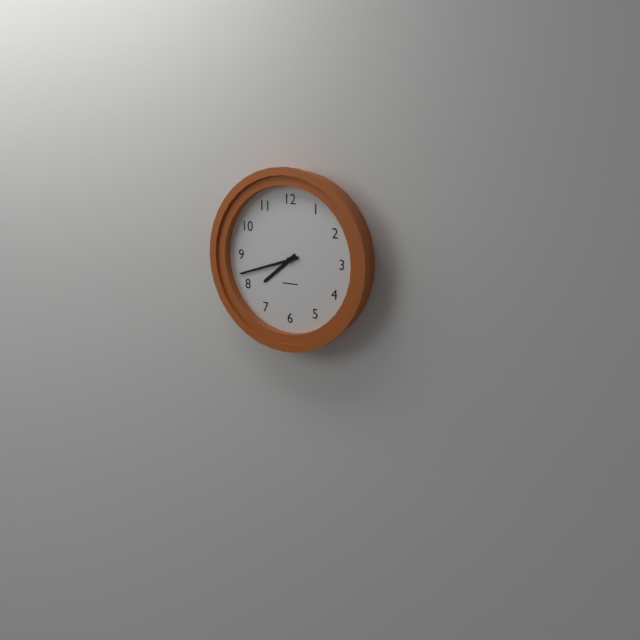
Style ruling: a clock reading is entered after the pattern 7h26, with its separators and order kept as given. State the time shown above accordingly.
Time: 7h42
